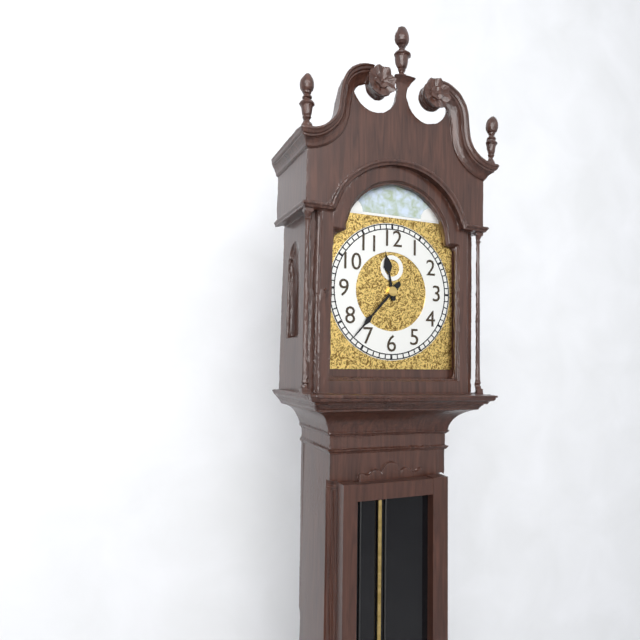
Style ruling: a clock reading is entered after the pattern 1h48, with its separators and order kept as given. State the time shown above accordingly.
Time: 11h37
